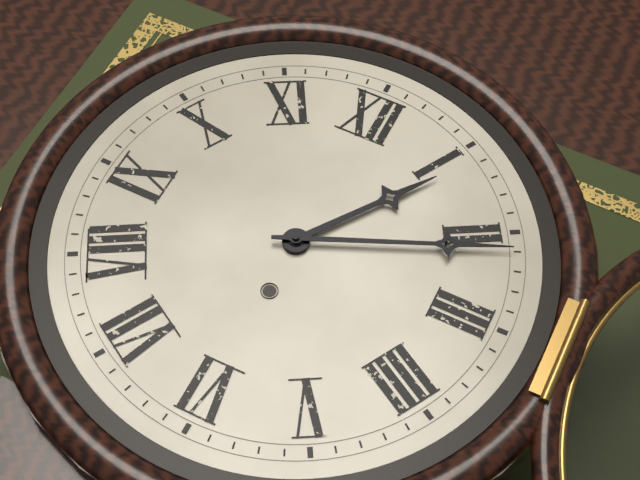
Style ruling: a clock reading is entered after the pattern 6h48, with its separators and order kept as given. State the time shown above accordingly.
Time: 1h11
